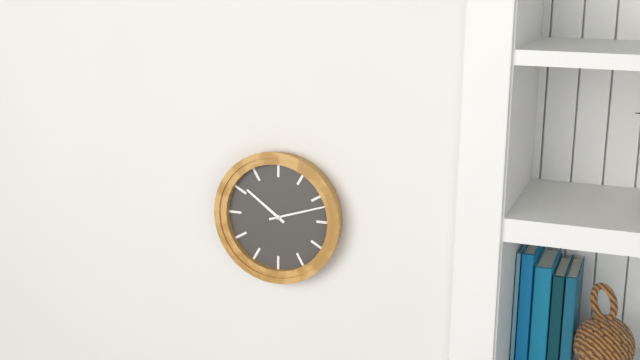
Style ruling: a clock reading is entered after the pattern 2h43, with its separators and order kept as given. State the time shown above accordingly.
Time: 10h12
